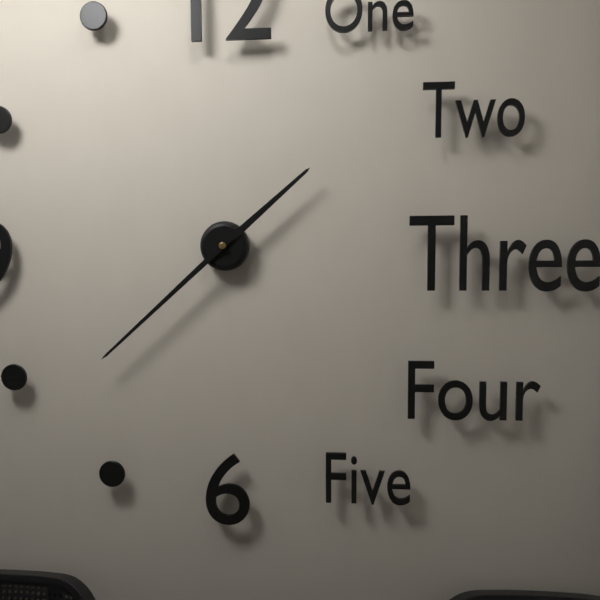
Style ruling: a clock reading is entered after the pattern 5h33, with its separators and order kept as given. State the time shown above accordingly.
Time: 1h38
